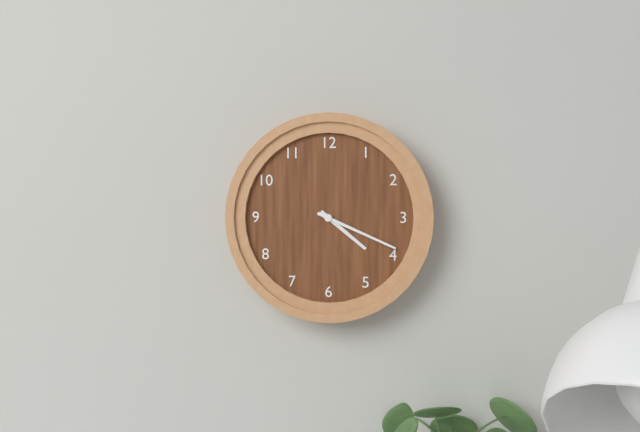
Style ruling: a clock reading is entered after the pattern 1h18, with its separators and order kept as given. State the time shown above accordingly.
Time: 4h19
